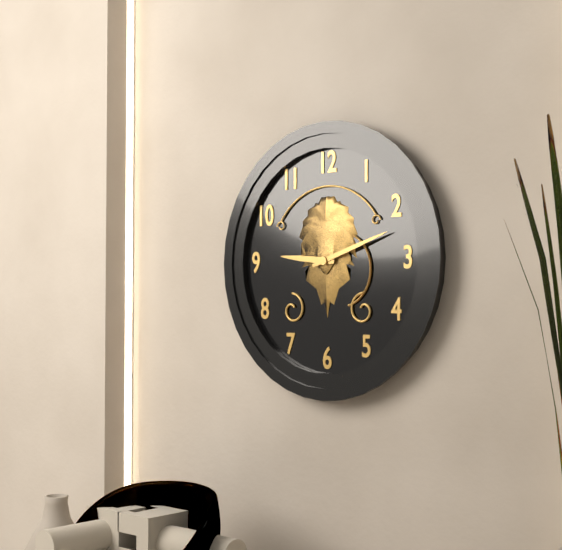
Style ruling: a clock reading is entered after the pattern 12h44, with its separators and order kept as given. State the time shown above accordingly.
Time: 9h12
